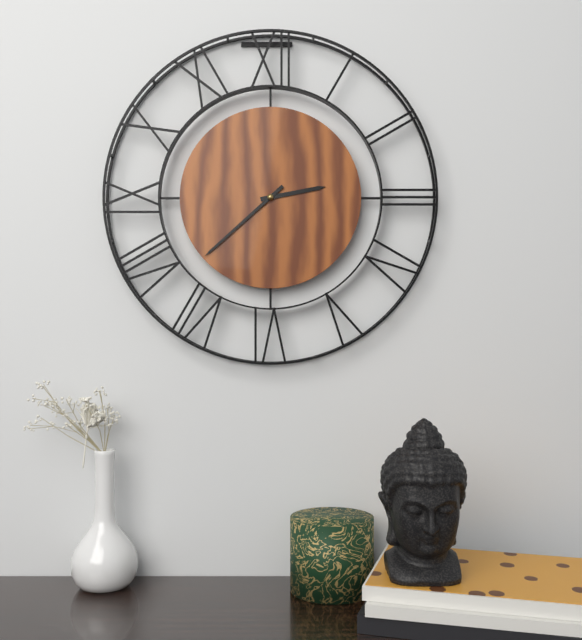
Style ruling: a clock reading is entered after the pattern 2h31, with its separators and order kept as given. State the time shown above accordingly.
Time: 2h38
